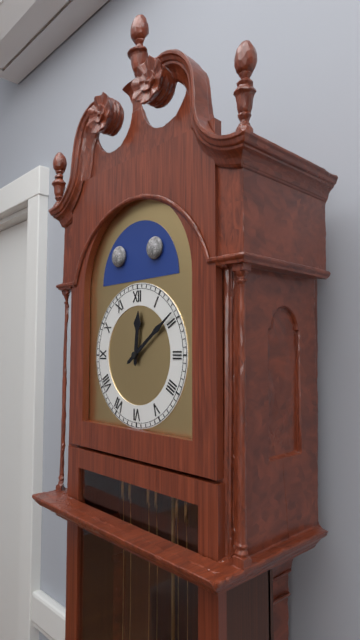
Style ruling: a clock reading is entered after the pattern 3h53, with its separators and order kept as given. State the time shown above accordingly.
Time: 12h09
